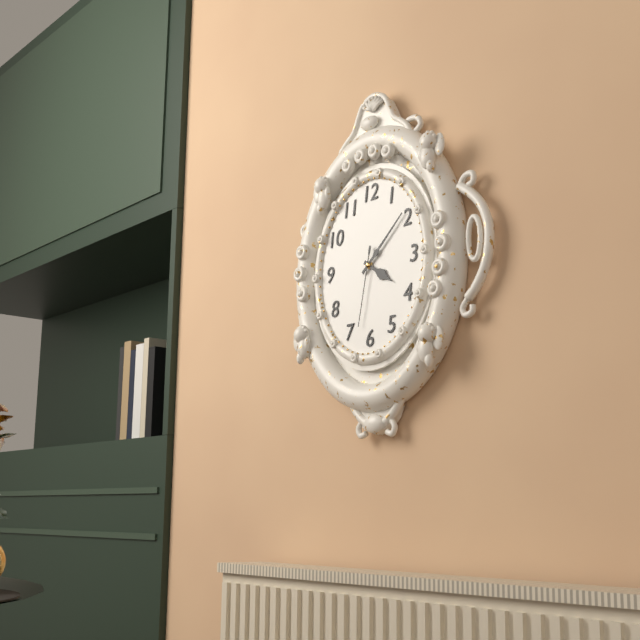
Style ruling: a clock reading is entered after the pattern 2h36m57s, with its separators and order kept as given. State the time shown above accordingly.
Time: 4h08m32s
